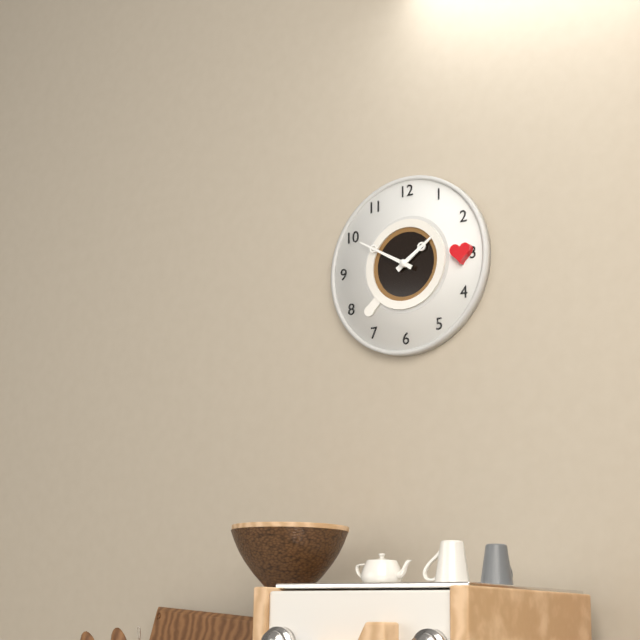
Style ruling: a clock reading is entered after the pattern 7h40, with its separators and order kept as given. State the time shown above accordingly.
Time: 1h50
